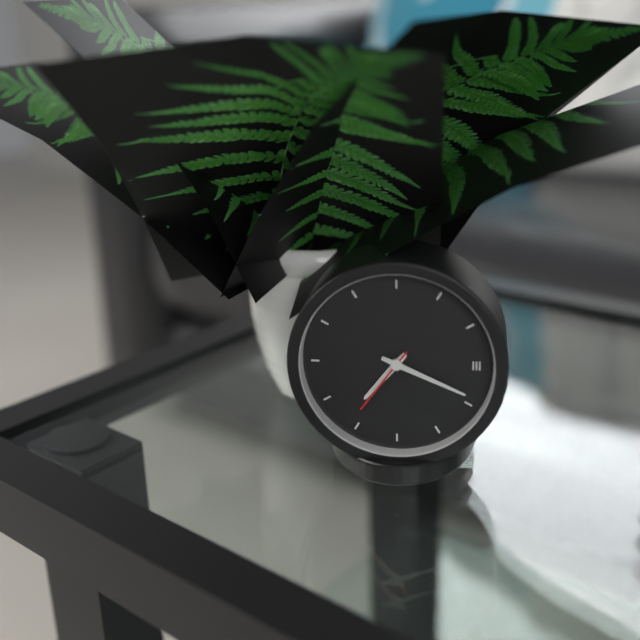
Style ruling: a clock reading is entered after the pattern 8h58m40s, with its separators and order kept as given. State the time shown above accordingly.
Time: 7h19m36s
